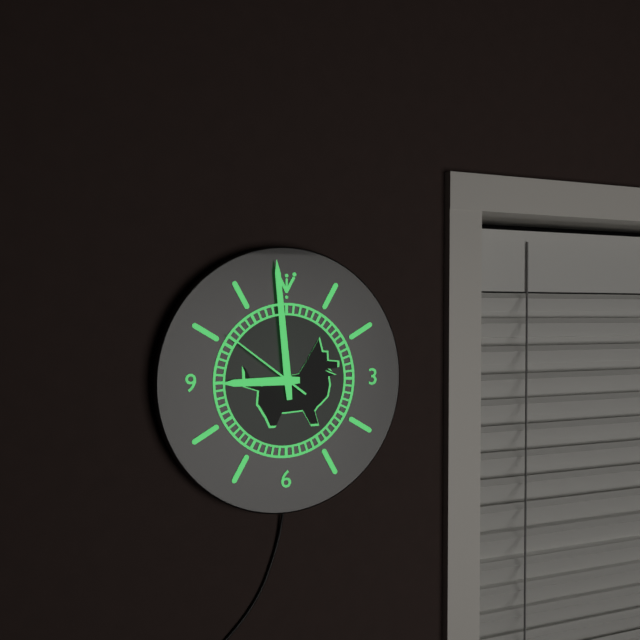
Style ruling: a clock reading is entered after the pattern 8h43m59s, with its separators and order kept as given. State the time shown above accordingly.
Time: 8h59m51s
